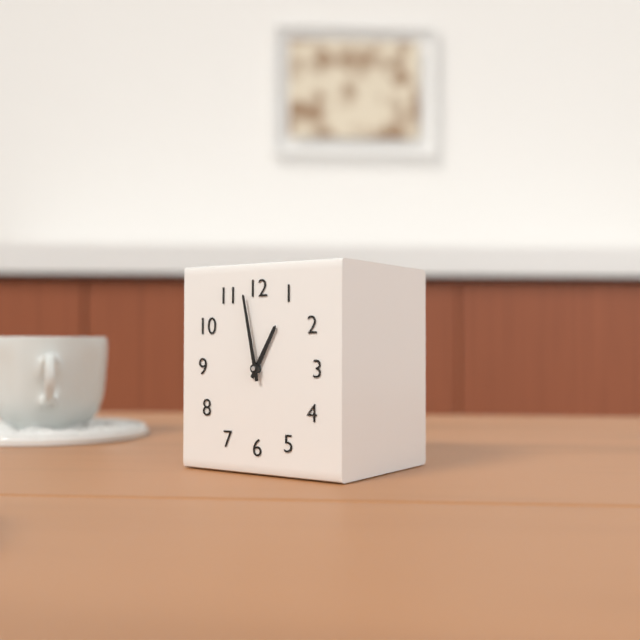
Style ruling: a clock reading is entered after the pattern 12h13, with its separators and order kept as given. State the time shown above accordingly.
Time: 12h58
